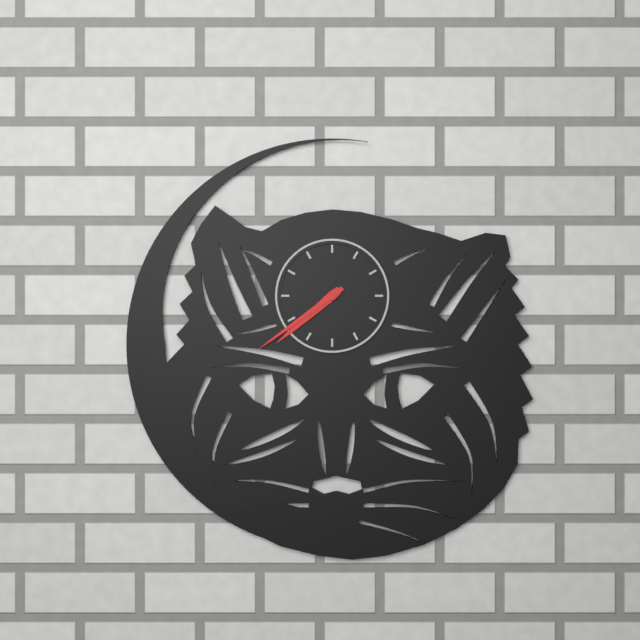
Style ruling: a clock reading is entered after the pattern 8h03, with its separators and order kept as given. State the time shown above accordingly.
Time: 7h39
